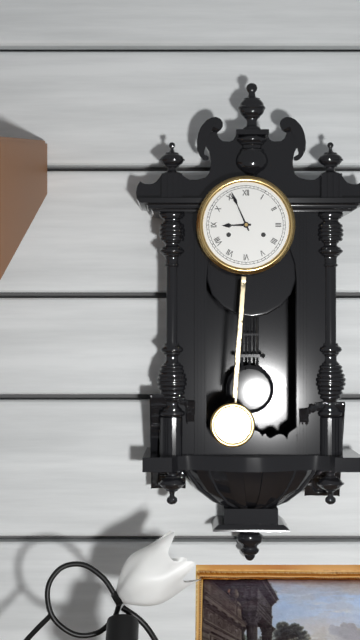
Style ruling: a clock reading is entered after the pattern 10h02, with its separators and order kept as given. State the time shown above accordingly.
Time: 8h56
